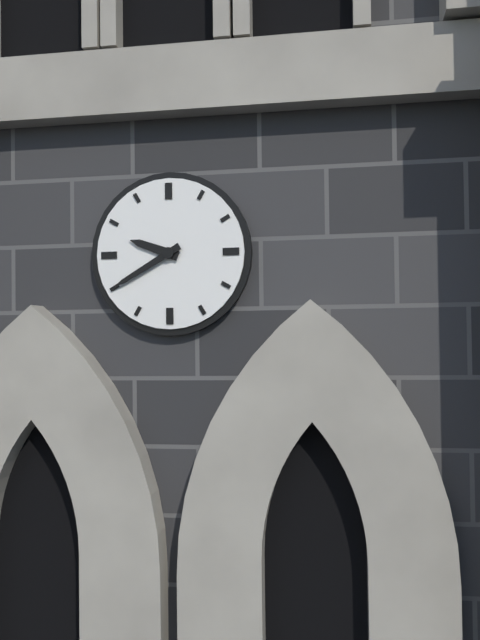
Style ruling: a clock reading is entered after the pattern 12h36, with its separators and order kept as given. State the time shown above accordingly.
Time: 9h40
